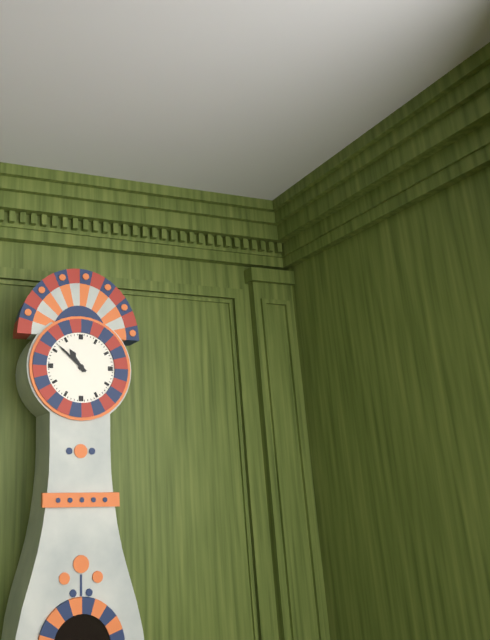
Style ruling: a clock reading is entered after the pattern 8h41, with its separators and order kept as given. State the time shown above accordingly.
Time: 10h52
